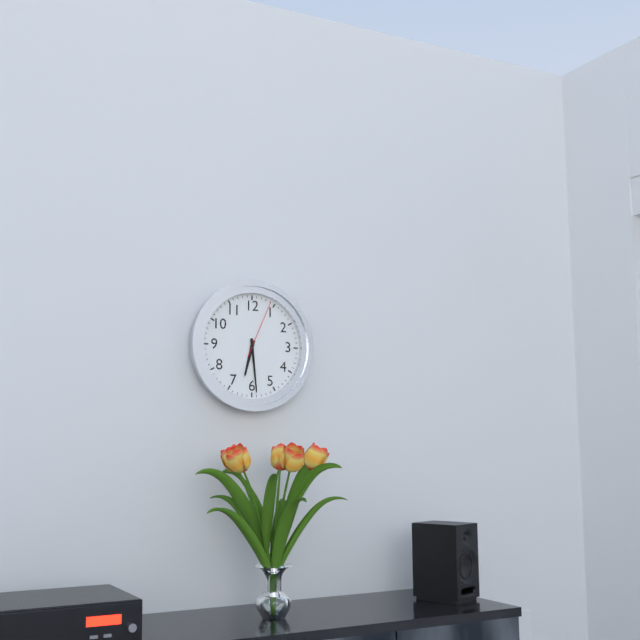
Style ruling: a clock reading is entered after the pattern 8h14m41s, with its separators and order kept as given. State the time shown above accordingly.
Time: 6h29m04s
